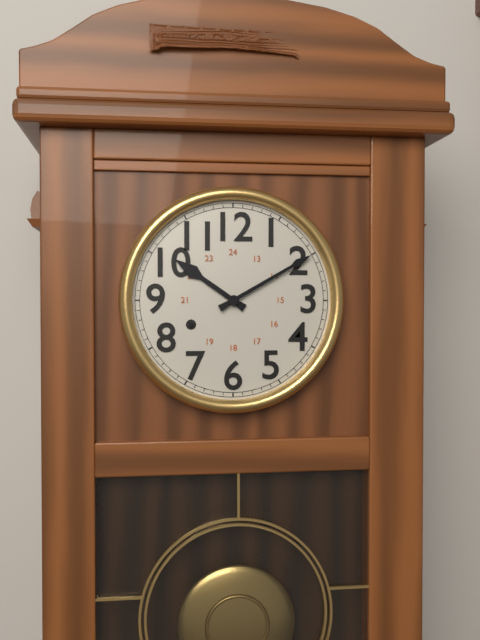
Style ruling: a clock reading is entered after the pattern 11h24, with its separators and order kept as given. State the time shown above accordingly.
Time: 10h10
